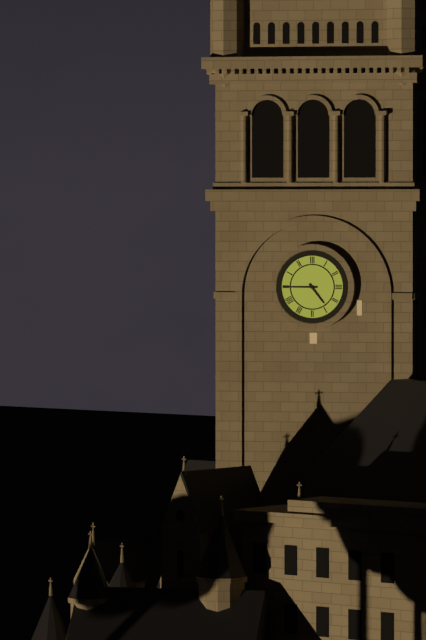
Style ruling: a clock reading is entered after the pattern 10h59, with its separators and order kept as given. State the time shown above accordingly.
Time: 4h45
